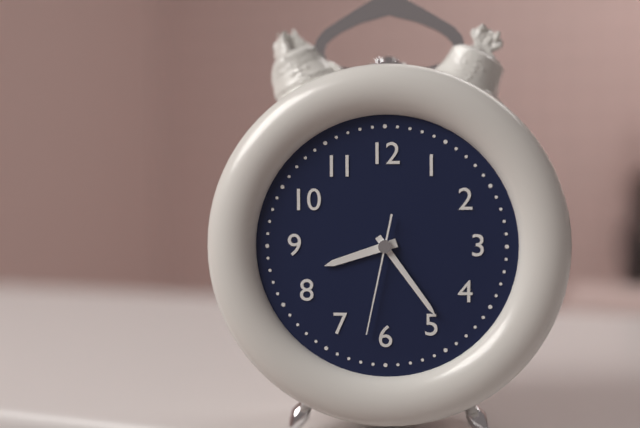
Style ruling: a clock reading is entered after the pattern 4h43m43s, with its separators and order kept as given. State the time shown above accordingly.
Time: 8h24m32s
